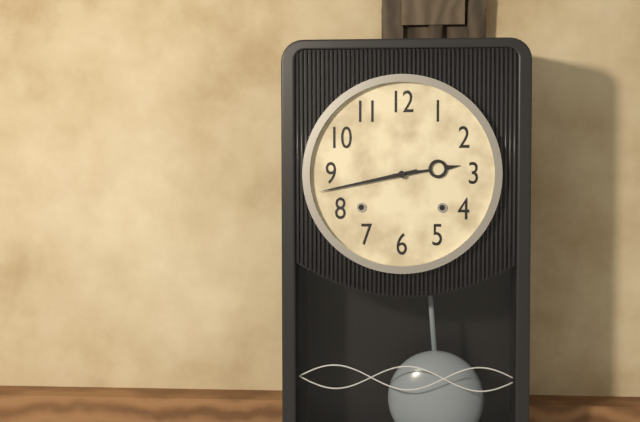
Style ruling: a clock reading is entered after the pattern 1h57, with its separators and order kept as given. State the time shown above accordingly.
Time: 2h43
